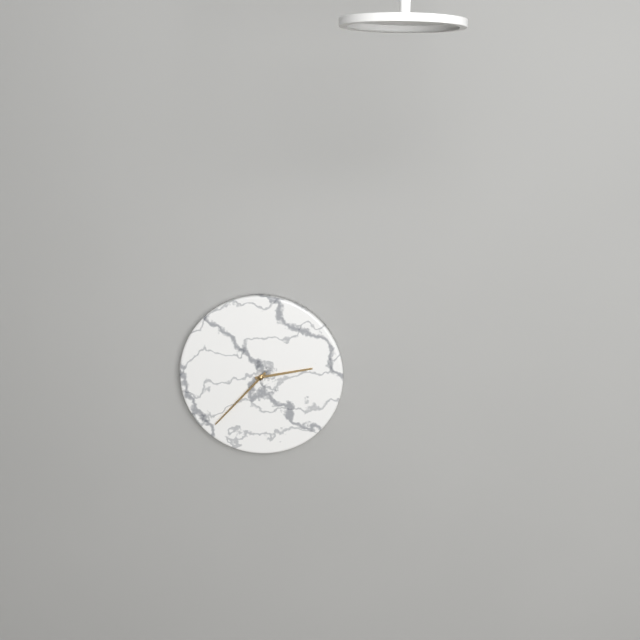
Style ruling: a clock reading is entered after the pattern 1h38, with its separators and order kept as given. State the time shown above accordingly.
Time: 2h37
